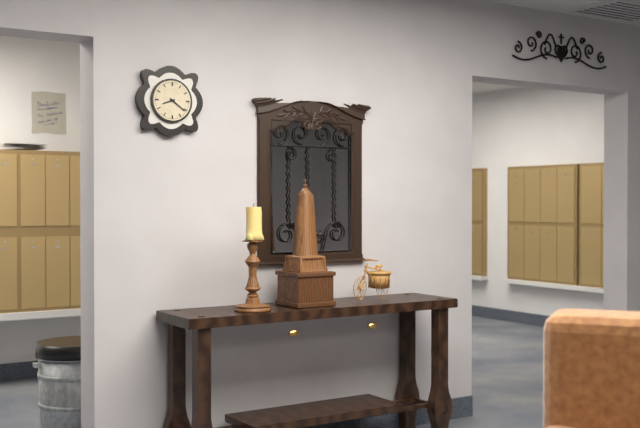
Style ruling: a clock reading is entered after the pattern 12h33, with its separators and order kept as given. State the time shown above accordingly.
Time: 8h21
